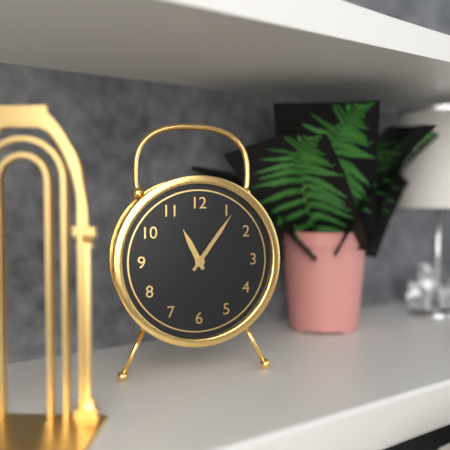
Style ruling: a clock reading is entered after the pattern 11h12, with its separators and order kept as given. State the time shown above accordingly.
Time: 11h06
